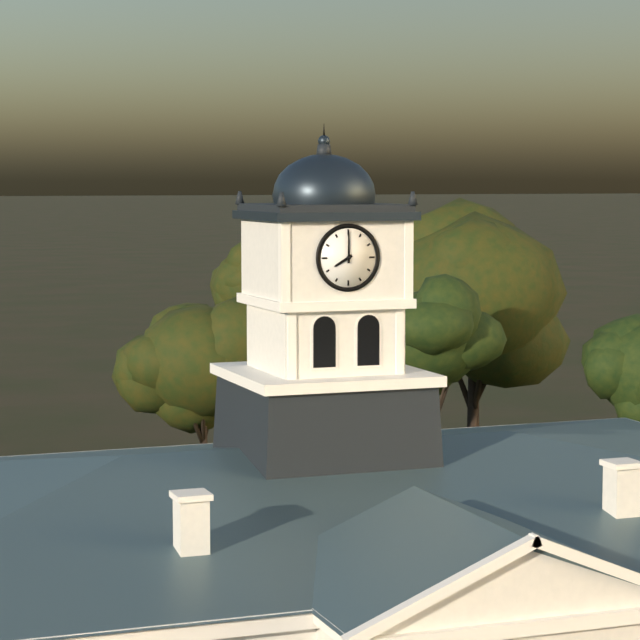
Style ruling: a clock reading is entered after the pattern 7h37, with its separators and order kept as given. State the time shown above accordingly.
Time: 8h00
